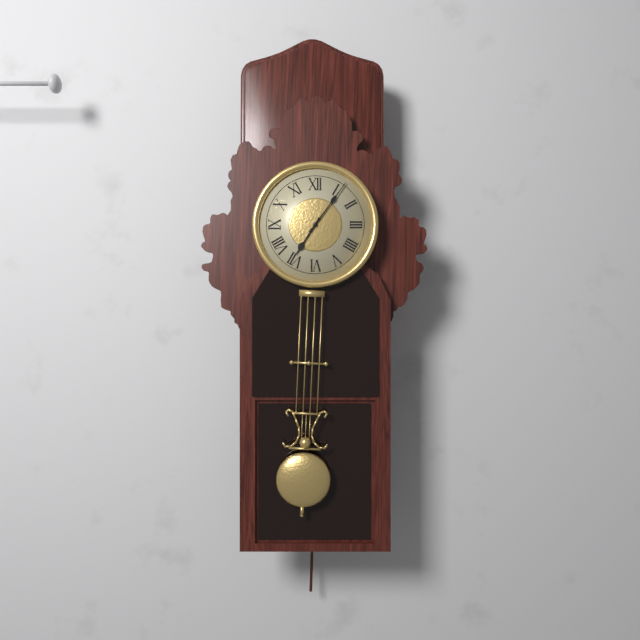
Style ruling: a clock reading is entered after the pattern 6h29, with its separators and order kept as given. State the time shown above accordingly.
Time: 7h06
